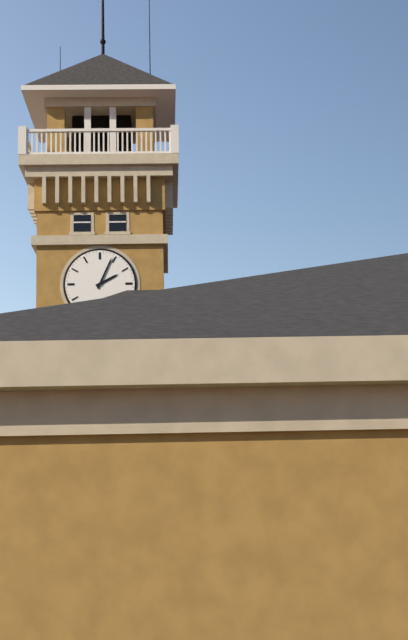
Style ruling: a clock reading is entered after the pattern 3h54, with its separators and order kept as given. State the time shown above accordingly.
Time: 2h04
